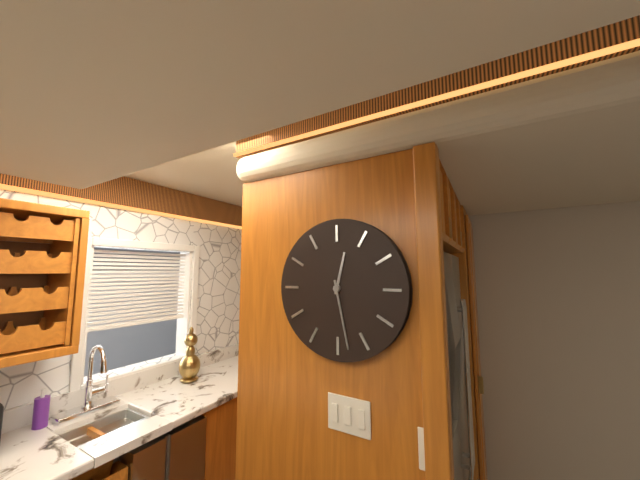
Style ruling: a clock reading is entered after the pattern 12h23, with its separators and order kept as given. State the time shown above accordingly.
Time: 12h28
